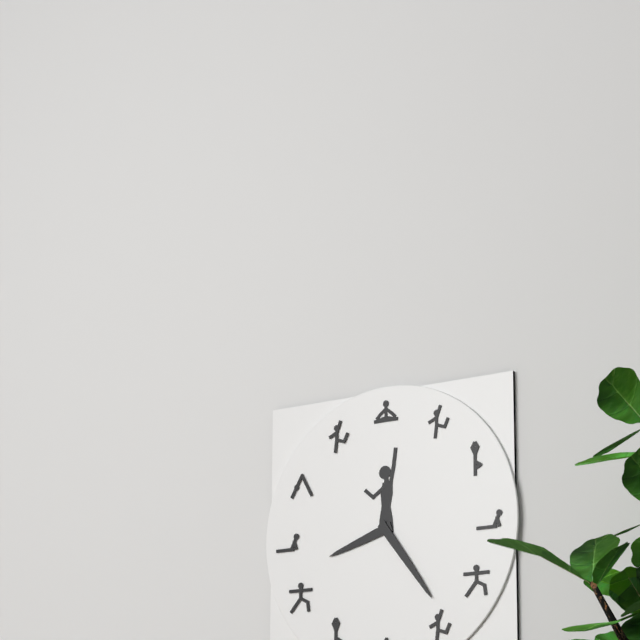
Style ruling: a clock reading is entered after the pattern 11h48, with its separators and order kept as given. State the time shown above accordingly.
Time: 8h24
